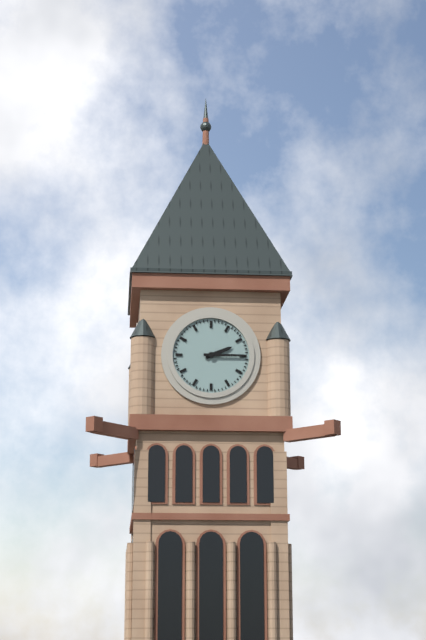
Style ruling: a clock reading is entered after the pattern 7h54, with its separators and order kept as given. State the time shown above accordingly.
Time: 2h15
